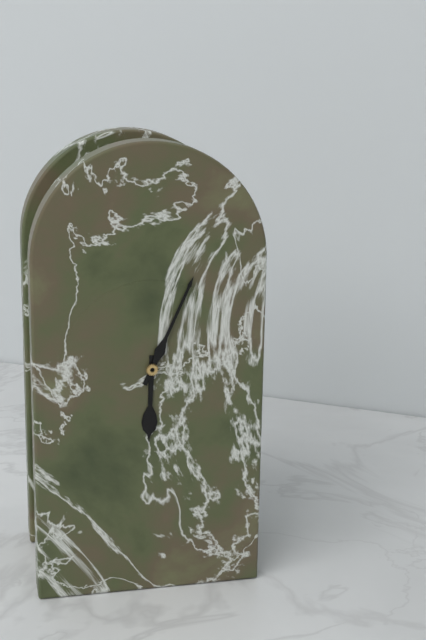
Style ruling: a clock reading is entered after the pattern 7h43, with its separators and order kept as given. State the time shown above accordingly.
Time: 6h04
